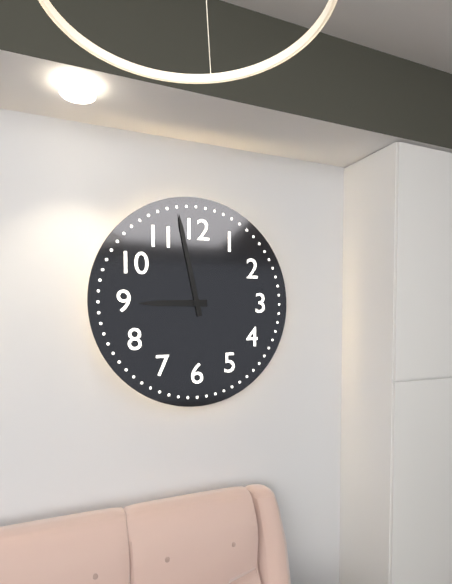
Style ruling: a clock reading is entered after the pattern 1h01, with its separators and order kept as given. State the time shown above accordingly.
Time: 8h58
